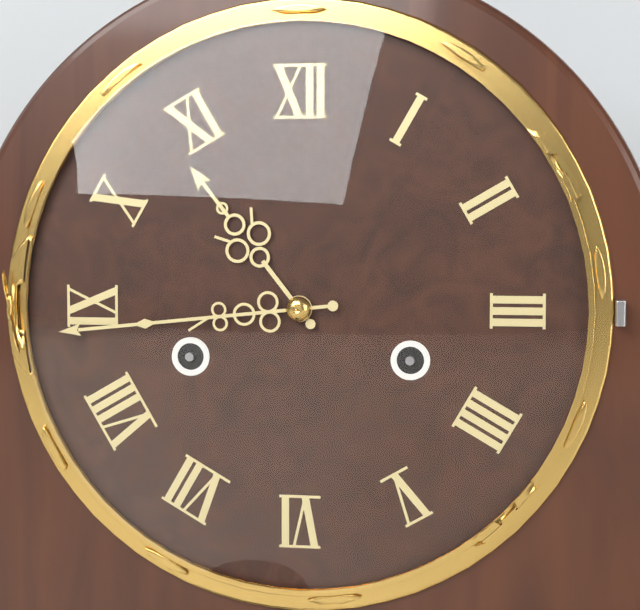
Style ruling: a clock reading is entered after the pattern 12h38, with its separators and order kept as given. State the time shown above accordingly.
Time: 10h44
